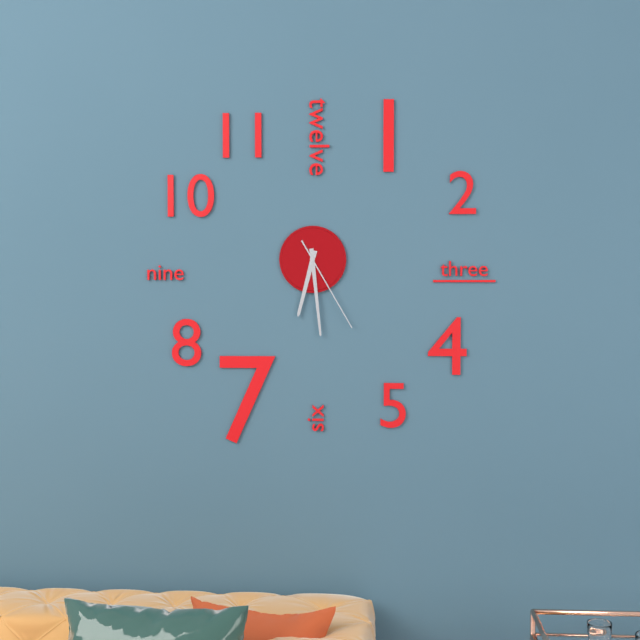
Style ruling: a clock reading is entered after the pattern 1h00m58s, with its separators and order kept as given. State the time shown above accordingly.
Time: 6h29m25s
